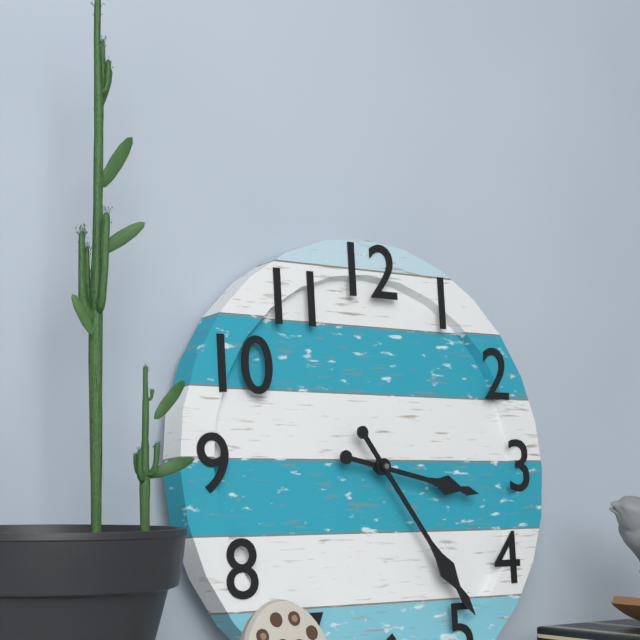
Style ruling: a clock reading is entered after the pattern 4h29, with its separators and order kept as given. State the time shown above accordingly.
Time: 3h24
